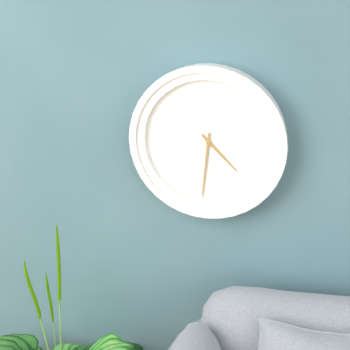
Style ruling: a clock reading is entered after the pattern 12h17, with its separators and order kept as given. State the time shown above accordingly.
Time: 4h31
